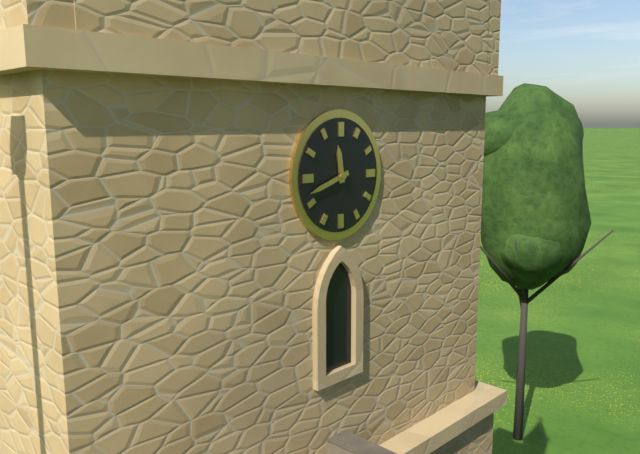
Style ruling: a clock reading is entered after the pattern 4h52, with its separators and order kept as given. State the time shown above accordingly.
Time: 11h42
